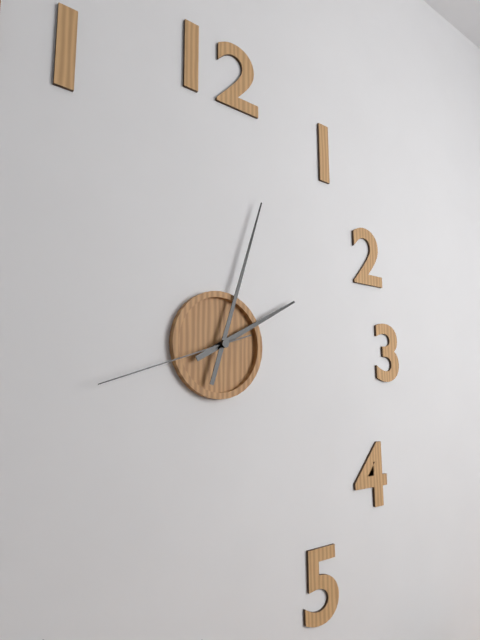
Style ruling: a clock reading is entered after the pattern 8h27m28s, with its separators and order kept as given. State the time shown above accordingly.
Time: 2h03m42s
